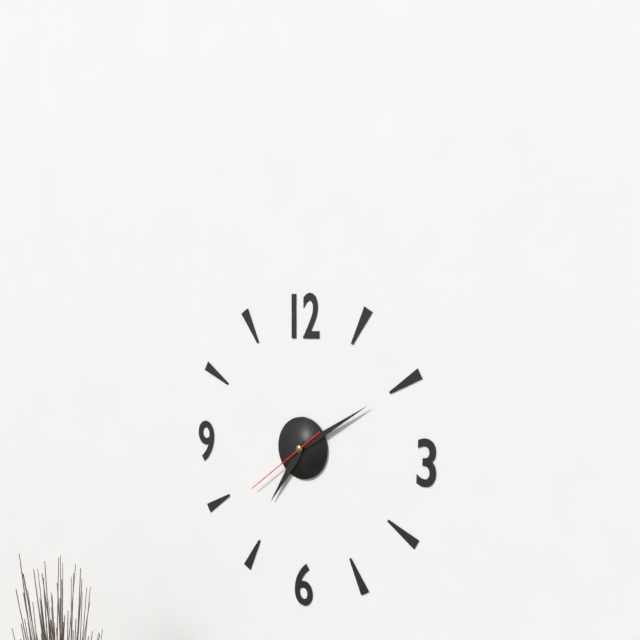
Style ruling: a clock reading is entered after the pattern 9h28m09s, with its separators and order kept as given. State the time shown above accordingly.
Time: 7h10m39s
